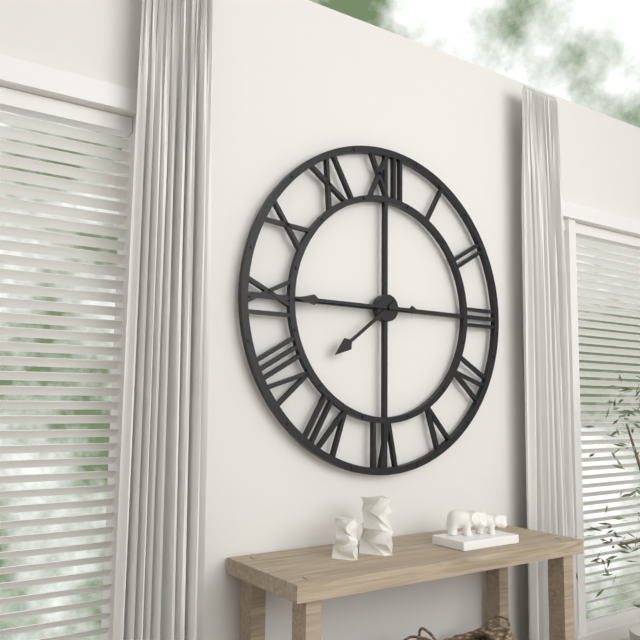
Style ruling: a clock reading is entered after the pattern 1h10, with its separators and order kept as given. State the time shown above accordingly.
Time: 7h45
